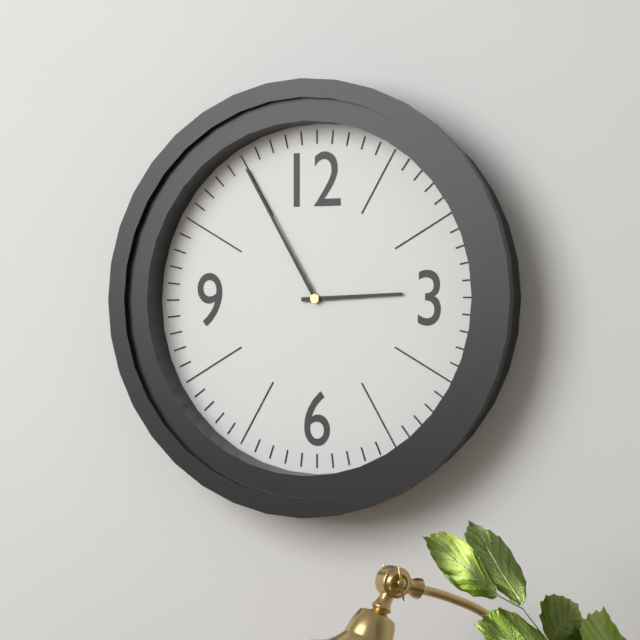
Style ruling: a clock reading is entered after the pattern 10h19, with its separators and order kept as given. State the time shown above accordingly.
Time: 2h55
